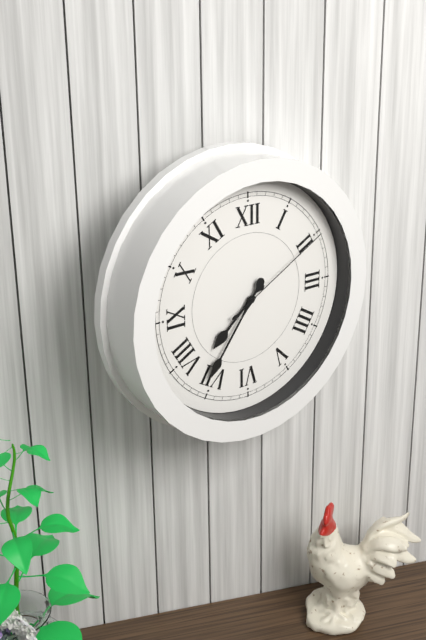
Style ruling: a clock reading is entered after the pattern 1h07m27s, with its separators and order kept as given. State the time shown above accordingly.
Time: 7h36m10s
